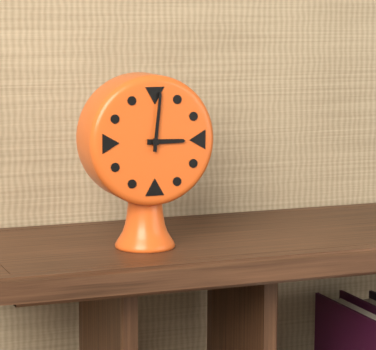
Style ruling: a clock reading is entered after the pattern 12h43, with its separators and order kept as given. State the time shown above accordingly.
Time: 3h01
